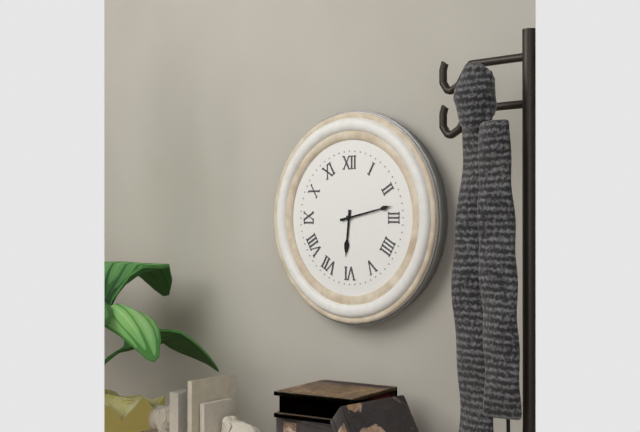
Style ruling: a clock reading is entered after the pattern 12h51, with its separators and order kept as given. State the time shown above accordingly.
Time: 6h13
